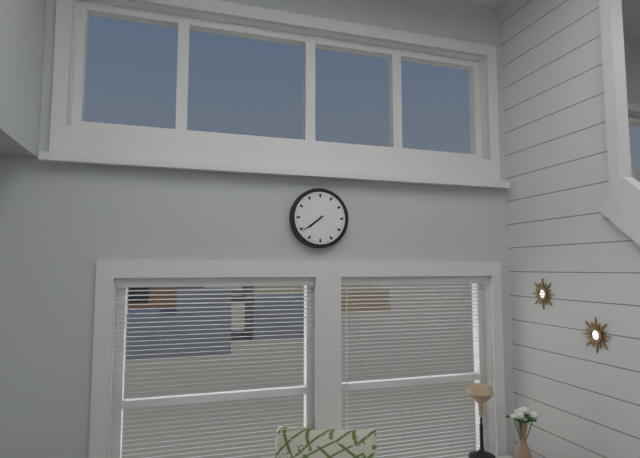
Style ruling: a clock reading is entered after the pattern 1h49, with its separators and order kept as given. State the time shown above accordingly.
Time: 7h39
